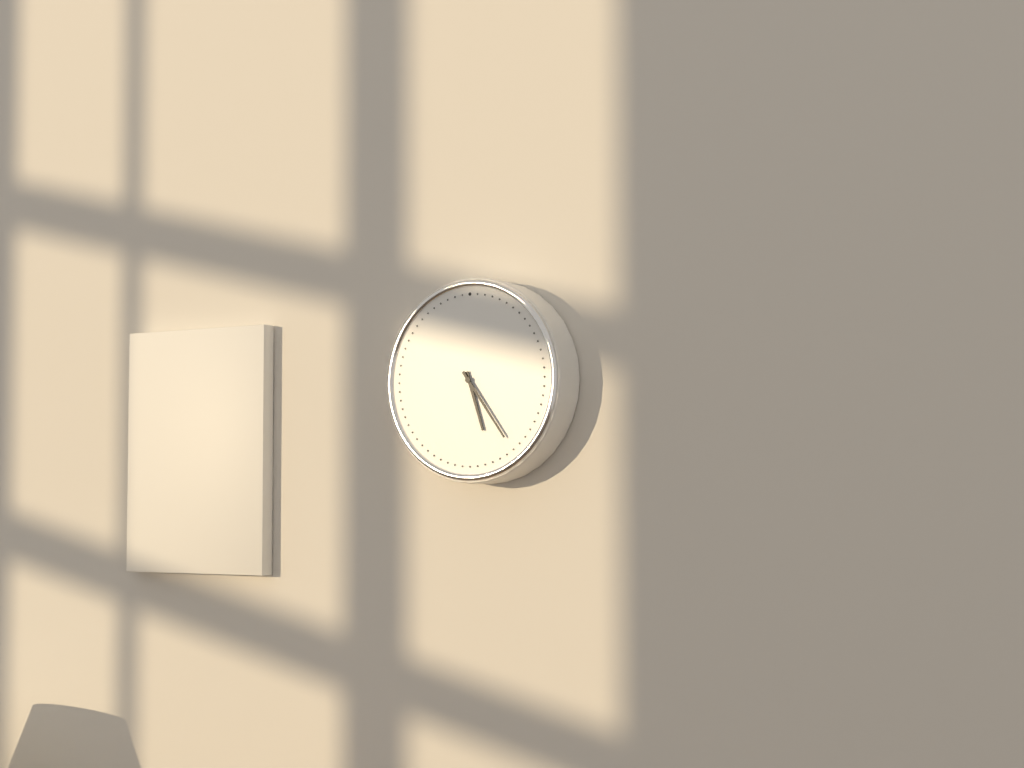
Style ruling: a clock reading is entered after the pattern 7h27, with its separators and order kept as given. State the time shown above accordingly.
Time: 5h24
